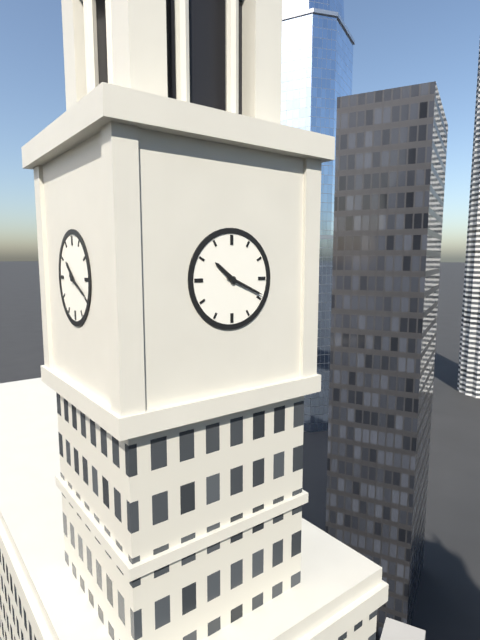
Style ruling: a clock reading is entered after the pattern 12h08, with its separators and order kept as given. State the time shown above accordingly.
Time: 10h19
